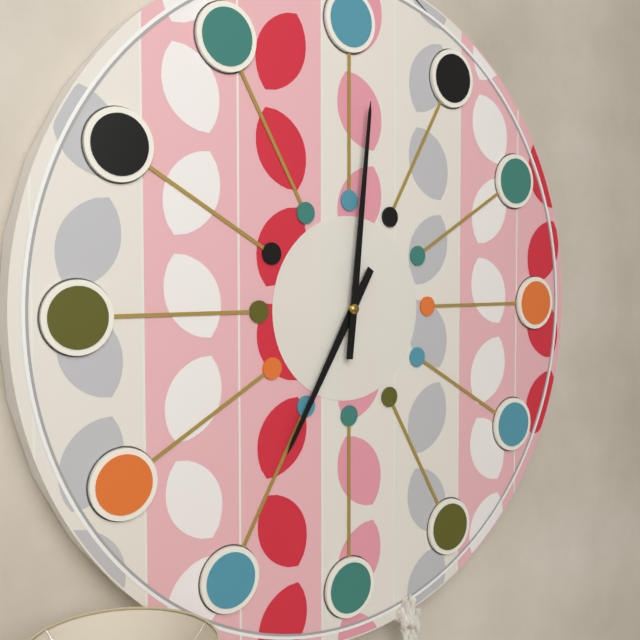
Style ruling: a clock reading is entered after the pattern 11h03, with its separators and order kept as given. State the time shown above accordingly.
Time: 7h01
